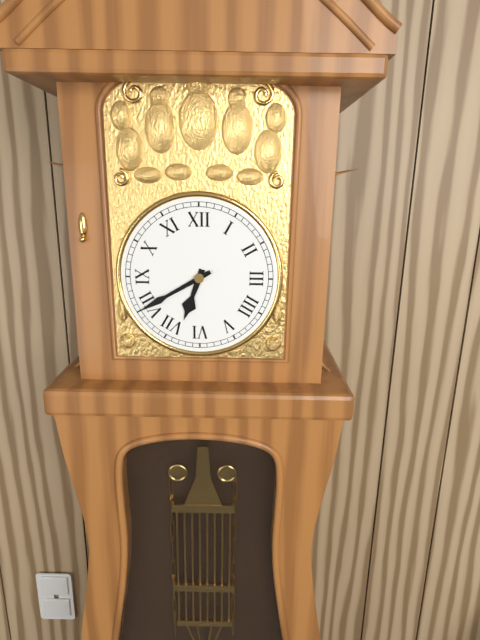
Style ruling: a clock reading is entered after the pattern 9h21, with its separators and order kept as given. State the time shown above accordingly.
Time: 6h40
